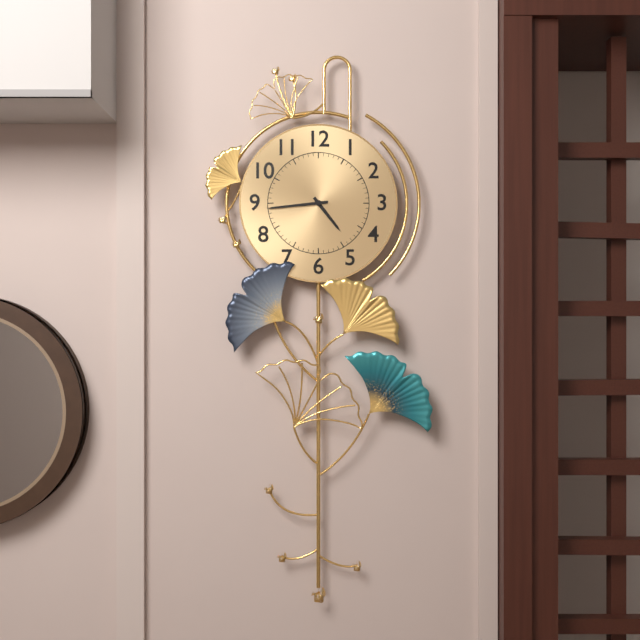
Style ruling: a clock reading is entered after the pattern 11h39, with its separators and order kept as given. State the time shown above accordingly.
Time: 4h44
